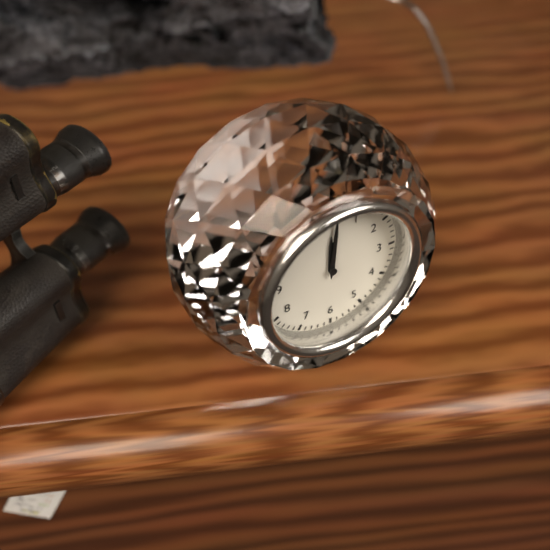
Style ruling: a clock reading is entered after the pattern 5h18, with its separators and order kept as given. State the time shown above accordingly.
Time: 12h01
